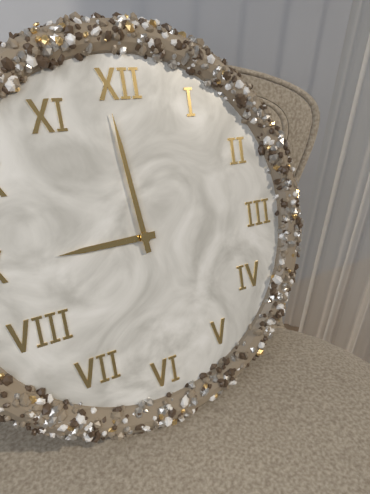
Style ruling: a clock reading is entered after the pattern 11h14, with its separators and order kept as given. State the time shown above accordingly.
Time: 8h59
